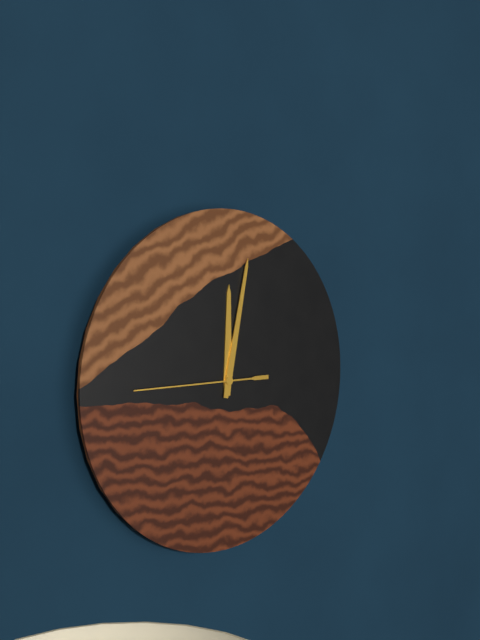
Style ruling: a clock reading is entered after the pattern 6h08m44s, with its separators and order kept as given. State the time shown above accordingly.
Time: 12h02m45s
